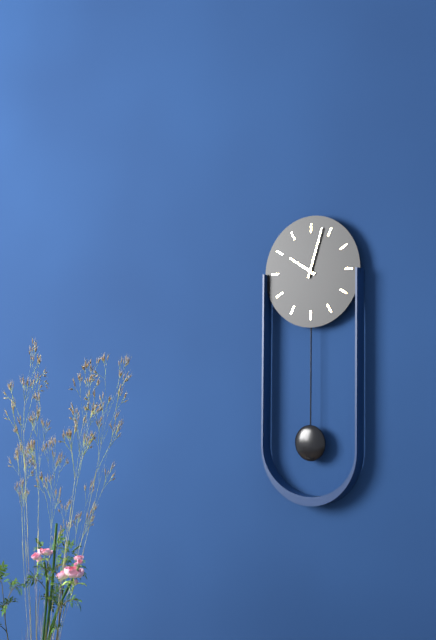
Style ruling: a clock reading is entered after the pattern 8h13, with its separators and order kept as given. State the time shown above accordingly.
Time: 10h03
